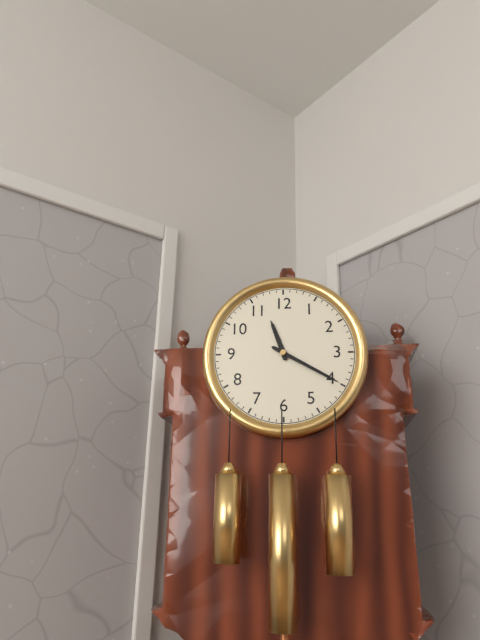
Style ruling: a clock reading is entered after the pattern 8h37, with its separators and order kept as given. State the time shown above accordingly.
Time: 11h20
